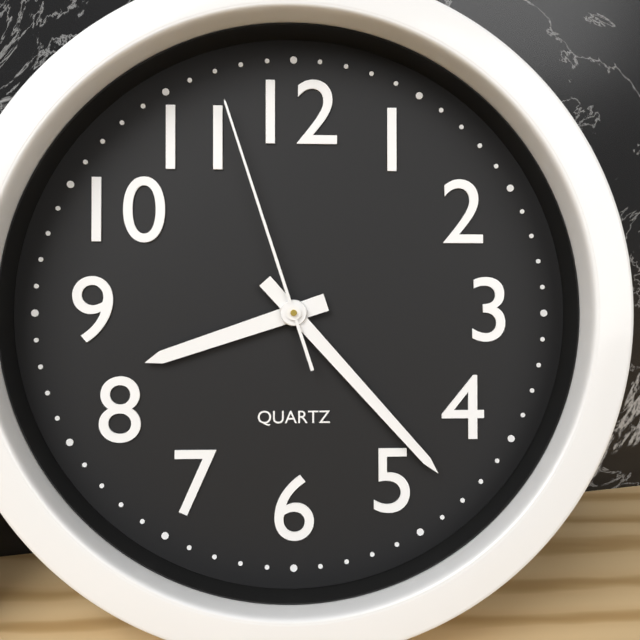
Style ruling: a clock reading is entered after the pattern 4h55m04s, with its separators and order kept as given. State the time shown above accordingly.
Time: 8h23m57s
